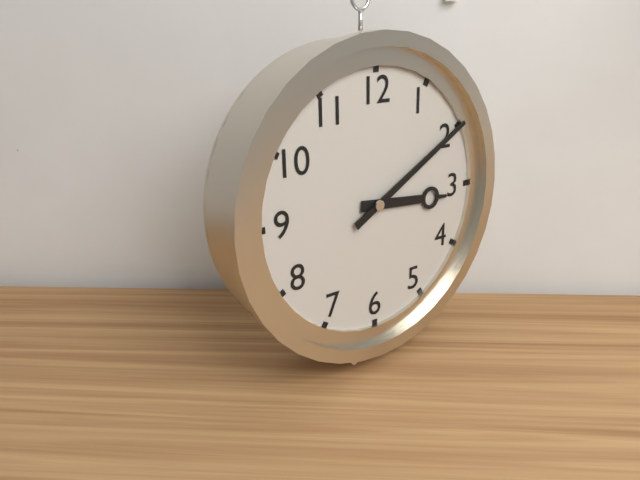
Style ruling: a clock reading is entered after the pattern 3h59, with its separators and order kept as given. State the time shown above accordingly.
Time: 3h10
